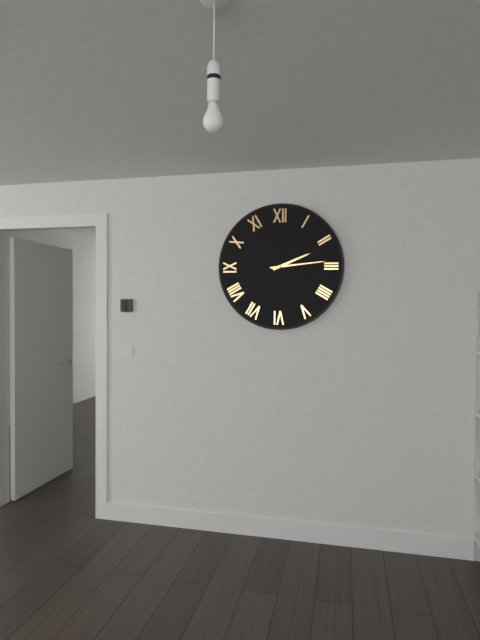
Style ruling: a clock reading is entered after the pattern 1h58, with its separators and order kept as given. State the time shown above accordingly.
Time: 2h14
